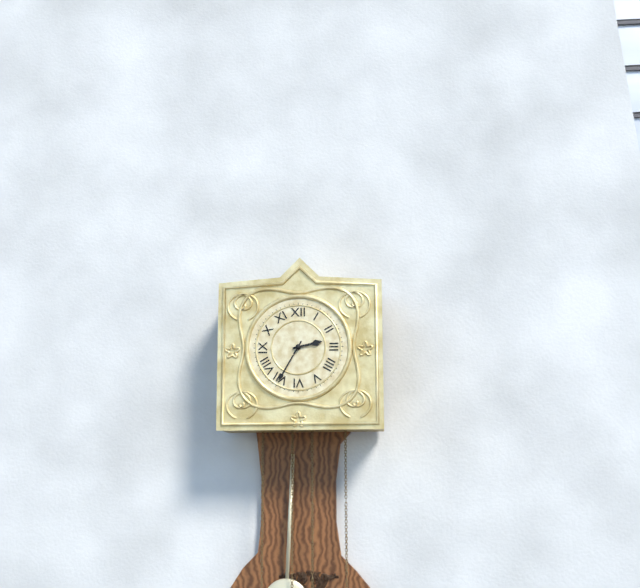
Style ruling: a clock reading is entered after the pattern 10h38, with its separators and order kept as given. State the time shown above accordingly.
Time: 2h35
